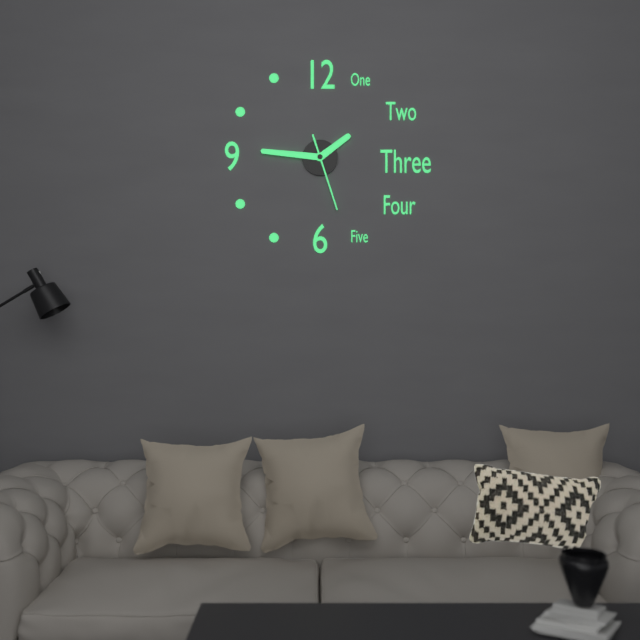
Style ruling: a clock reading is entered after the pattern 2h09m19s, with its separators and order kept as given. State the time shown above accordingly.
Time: 1h46m27s
